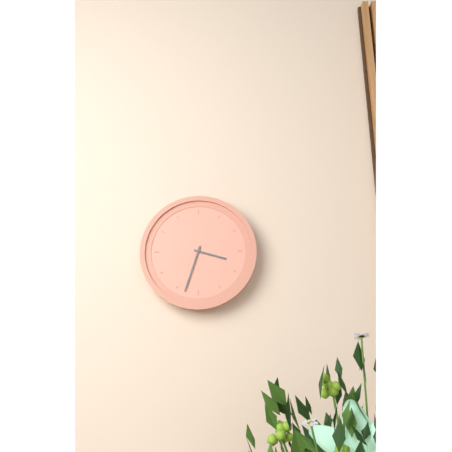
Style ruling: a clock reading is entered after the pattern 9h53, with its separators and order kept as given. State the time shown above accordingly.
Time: 3h33
